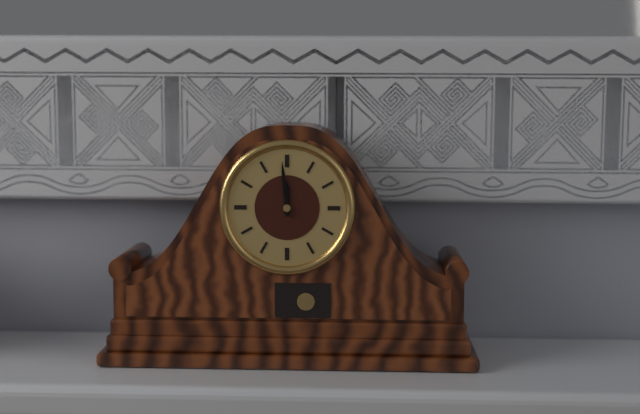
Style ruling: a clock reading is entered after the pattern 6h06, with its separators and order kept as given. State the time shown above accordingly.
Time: 11h59
